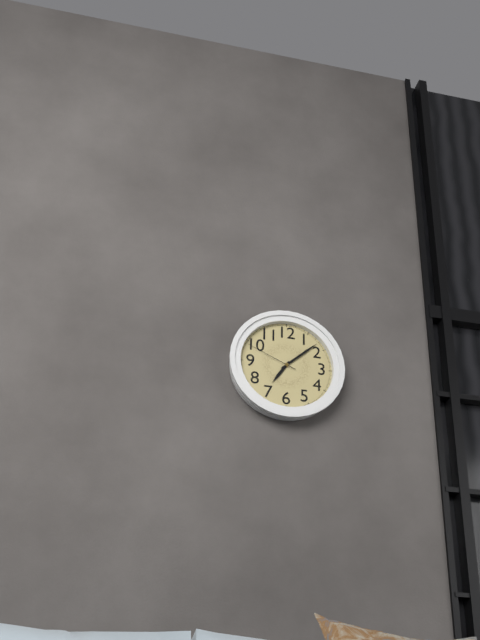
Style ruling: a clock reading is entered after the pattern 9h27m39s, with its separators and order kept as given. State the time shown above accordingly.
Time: 7h08m49s
